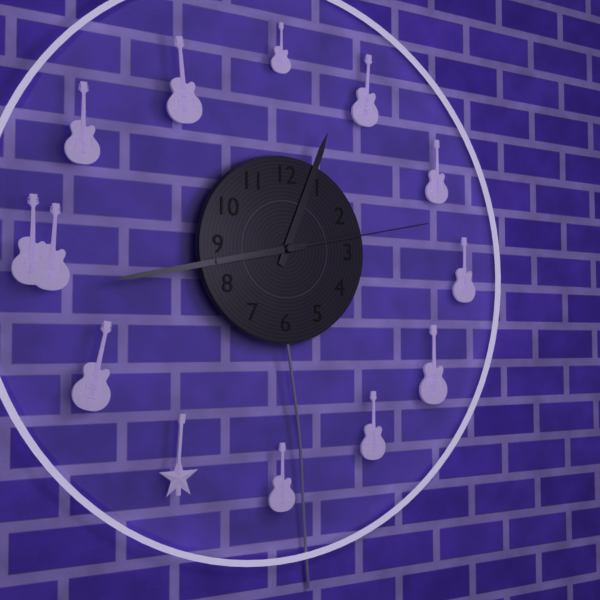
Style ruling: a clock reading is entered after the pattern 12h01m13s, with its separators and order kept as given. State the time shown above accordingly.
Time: 12h43m13s
